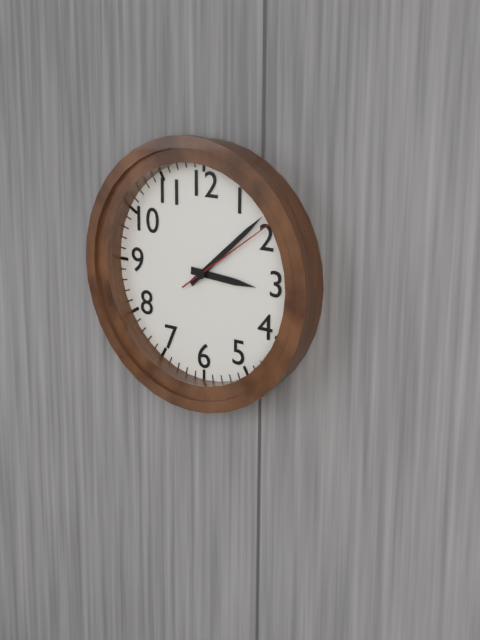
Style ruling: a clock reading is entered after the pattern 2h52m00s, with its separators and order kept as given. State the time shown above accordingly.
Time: 3h08m09s
